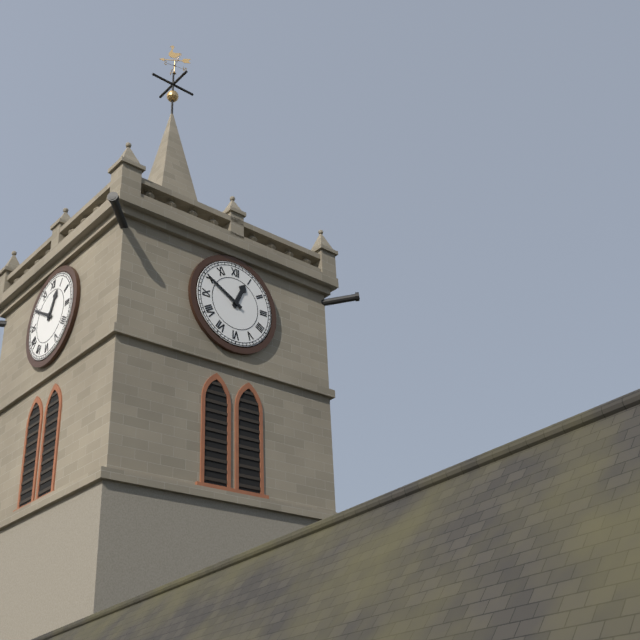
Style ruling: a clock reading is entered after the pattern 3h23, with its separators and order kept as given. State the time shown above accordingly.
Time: 12h50
